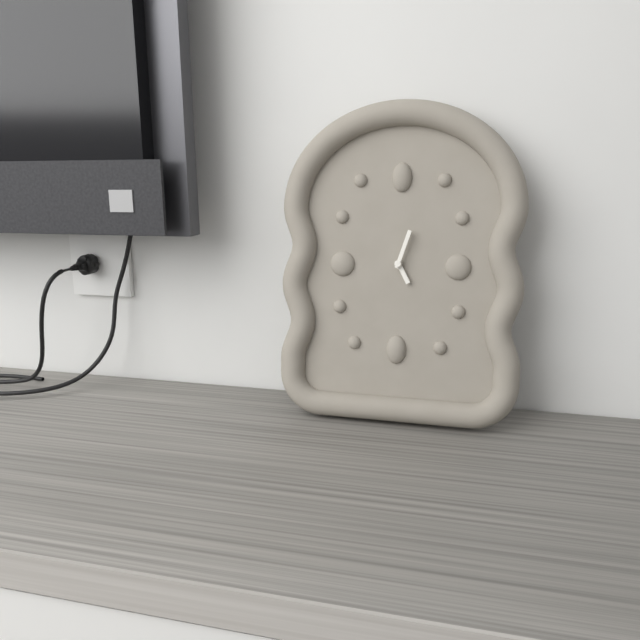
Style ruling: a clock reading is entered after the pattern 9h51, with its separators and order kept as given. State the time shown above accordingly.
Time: 5h03
